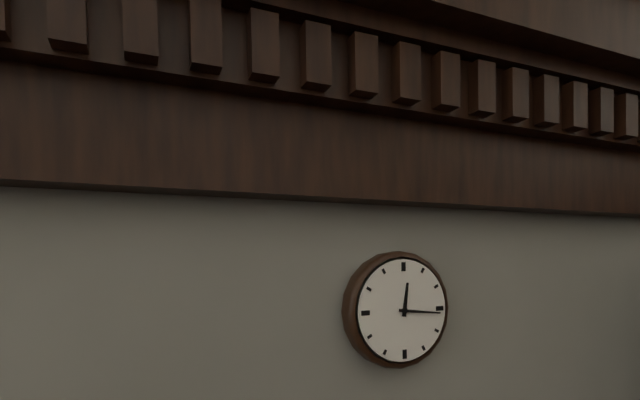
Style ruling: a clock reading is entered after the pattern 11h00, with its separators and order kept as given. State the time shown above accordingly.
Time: 12h16
